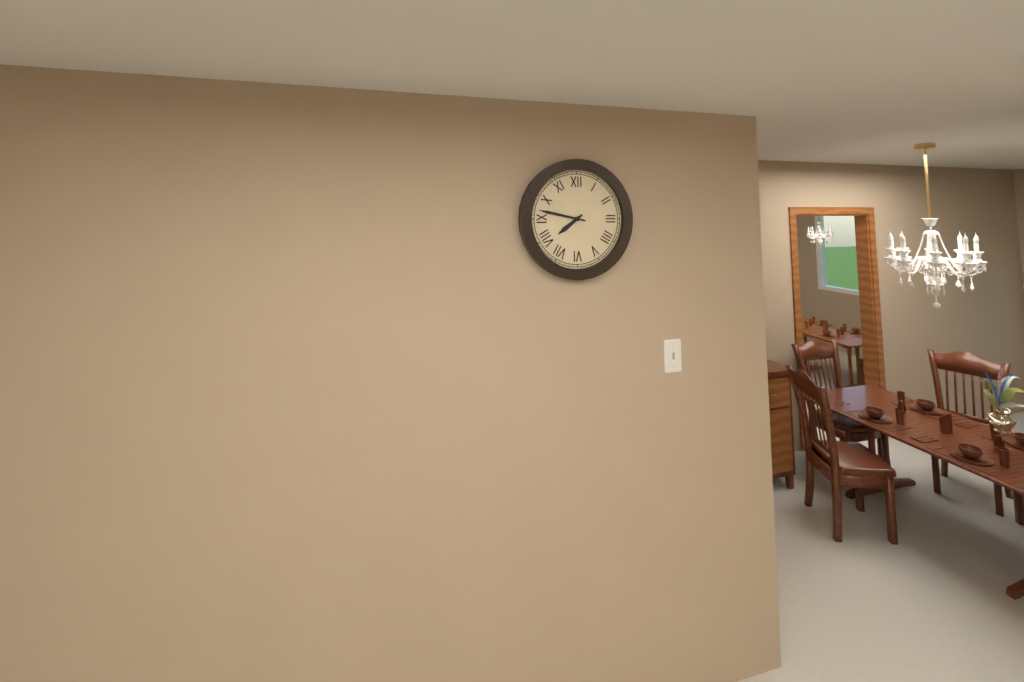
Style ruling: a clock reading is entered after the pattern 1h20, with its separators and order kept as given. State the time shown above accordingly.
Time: 7h47
